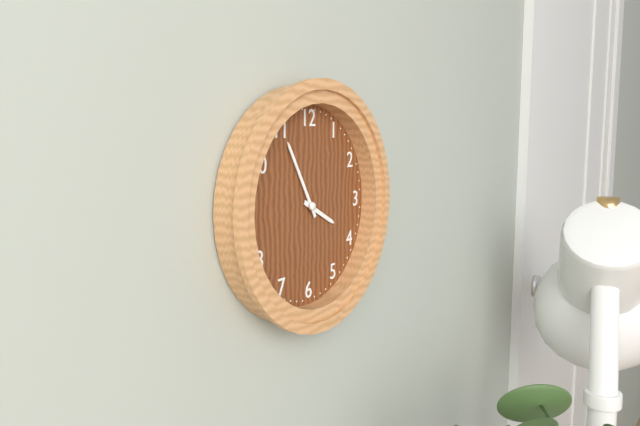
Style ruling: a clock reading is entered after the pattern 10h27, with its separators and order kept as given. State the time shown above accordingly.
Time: 3h55
